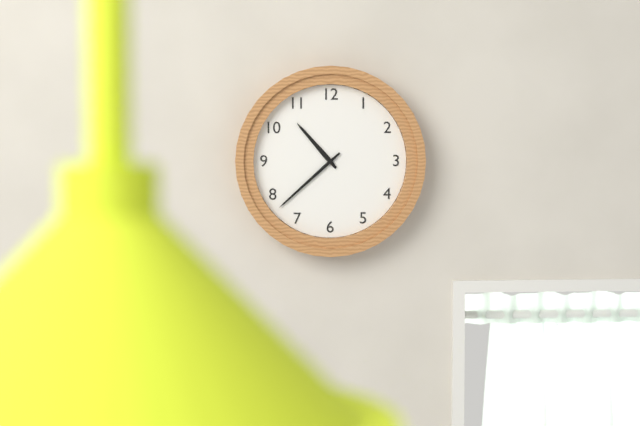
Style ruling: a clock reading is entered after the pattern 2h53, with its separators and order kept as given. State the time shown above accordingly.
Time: 10h38
